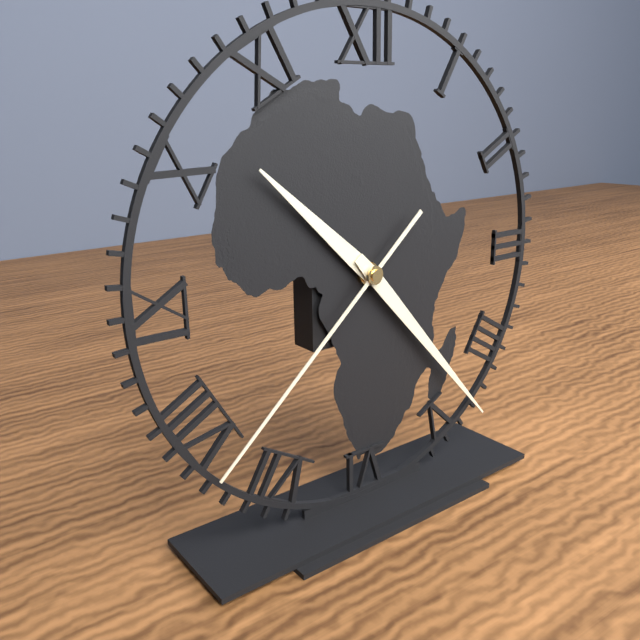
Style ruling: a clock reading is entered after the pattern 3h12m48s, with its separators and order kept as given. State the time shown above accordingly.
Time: 10h23m38s
